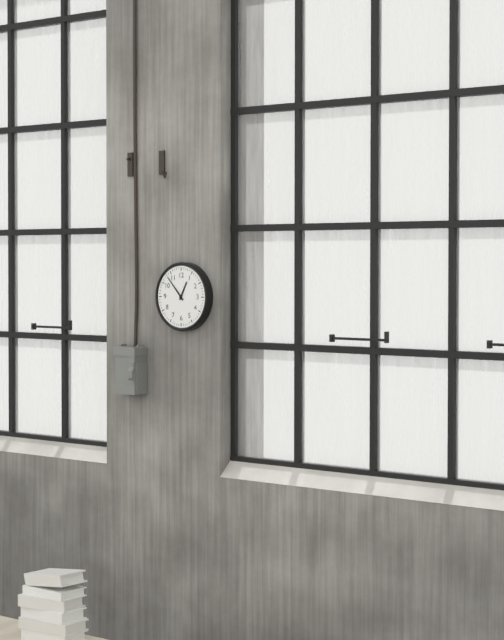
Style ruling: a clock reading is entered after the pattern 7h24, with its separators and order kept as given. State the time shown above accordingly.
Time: 12h53
